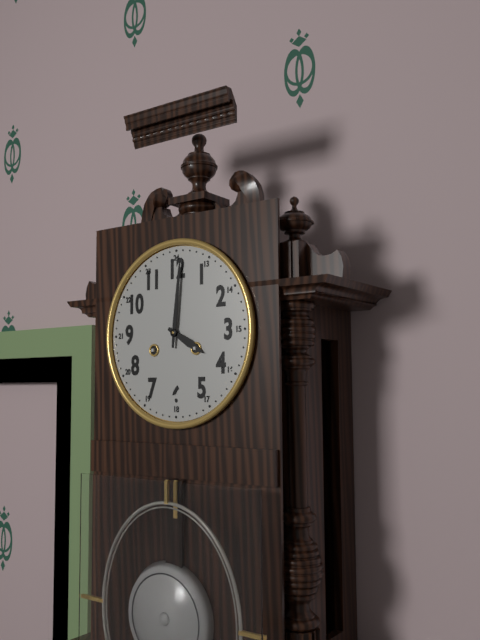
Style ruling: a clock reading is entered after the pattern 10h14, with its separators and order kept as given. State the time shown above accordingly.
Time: 4h01
